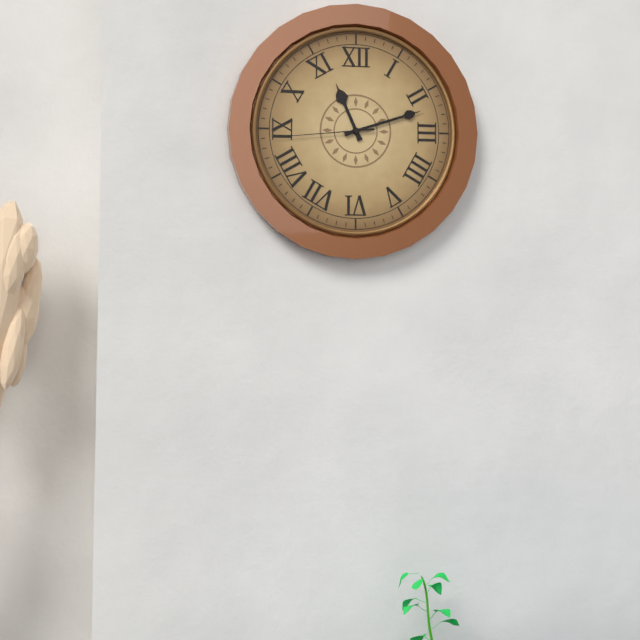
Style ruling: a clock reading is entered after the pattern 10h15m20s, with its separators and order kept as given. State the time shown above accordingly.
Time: 11h12m44s
